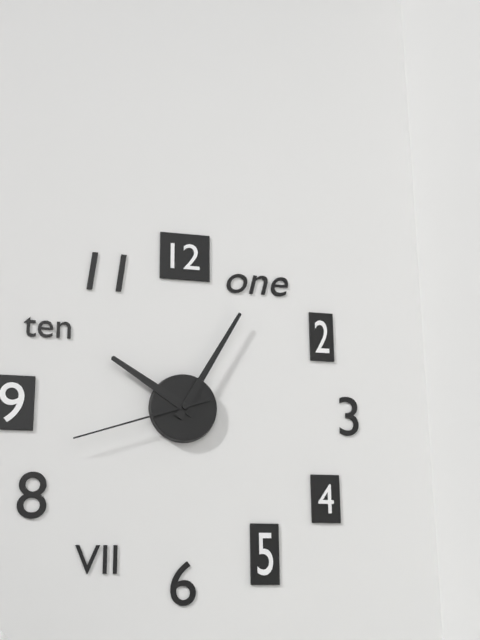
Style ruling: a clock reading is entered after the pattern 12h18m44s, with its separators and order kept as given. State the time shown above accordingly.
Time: 10h05m42s
